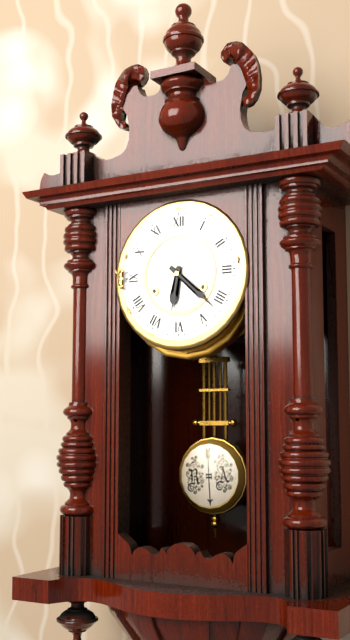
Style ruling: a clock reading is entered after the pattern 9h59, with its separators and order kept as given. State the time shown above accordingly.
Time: 6h22
